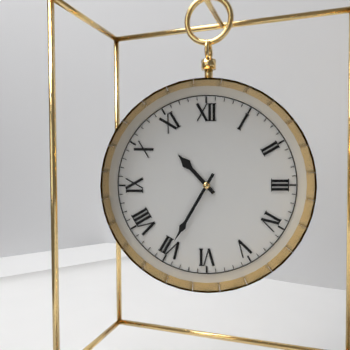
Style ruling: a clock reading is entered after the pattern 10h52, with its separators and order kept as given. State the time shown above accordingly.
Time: 10h35
